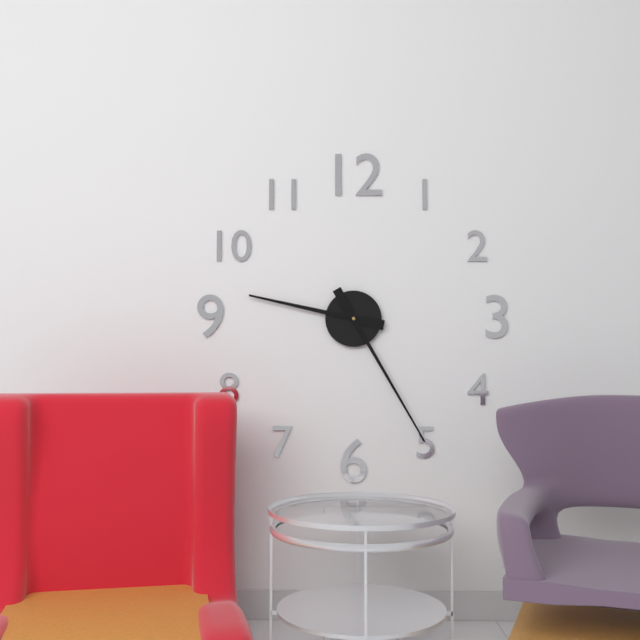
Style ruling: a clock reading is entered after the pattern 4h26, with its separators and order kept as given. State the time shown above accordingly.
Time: 9h25
